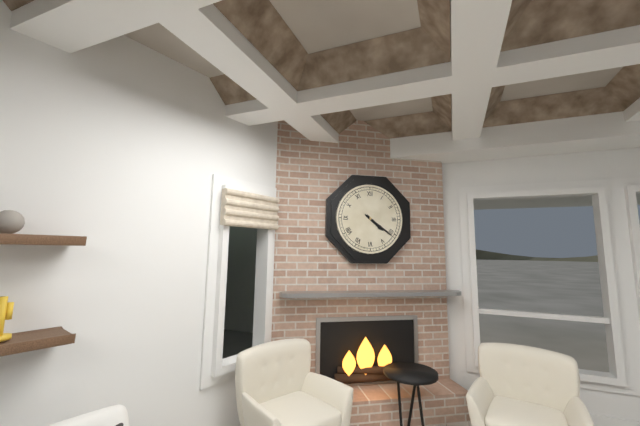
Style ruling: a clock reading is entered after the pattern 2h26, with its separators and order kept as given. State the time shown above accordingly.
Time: 4h21
